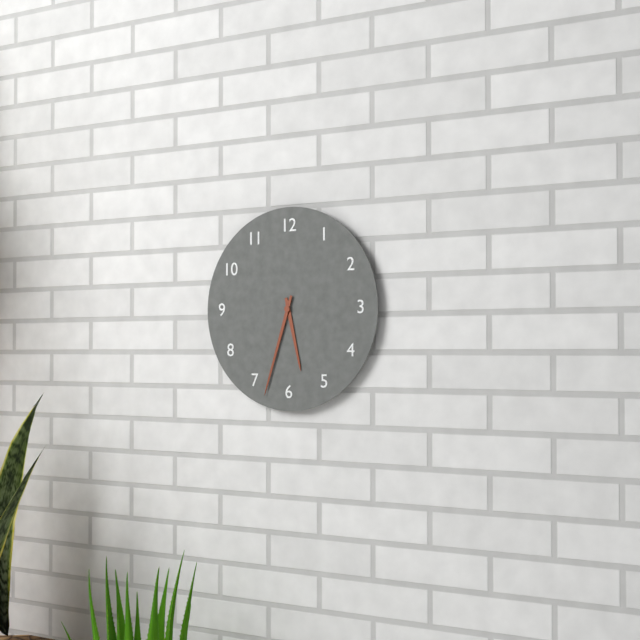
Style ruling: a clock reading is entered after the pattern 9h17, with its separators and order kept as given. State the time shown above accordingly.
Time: 5h33
